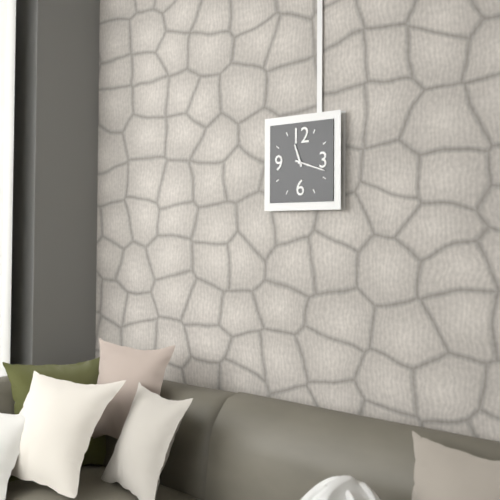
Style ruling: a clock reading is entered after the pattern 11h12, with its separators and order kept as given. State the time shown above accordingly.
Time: 11h18
